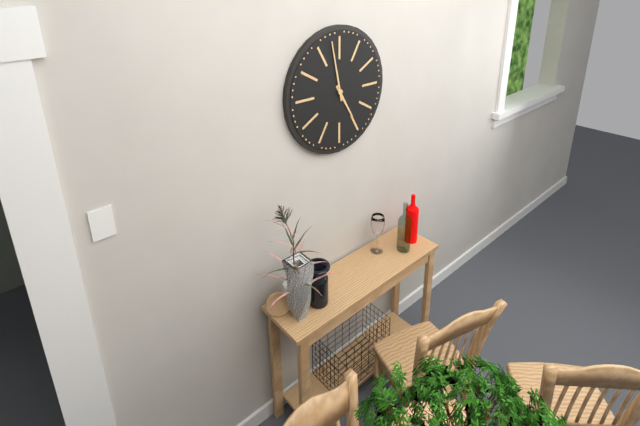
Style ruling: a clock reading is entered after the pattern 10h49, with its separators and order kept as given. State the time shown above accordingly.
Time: 4h58
